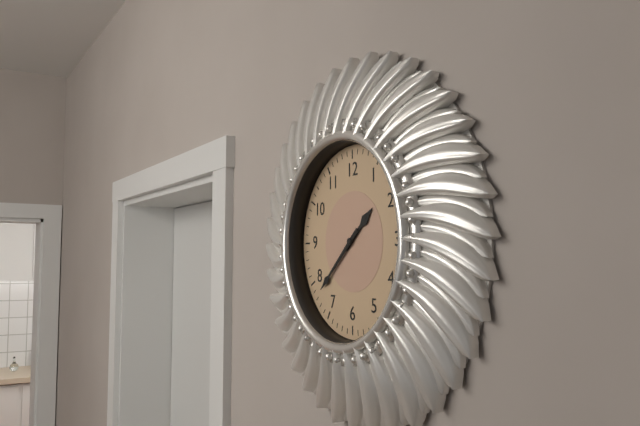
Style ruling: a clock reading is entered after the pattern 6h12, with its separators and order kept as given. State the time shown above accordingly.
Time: 1h38
